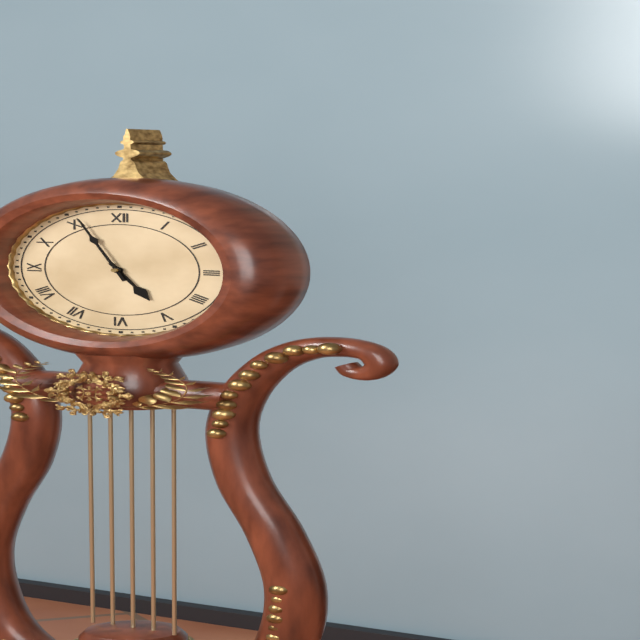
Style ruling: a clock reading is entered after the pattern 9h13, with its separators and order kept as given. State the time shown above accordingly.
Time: 4h56
